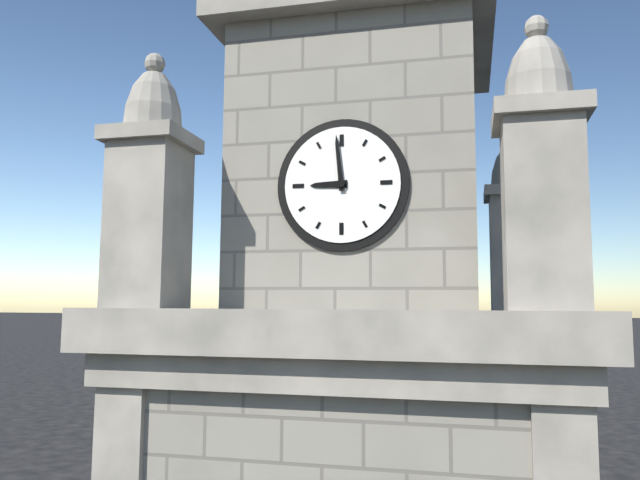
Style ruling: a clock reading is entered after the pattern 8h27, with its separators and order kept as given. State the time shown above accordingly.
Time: 8h59
